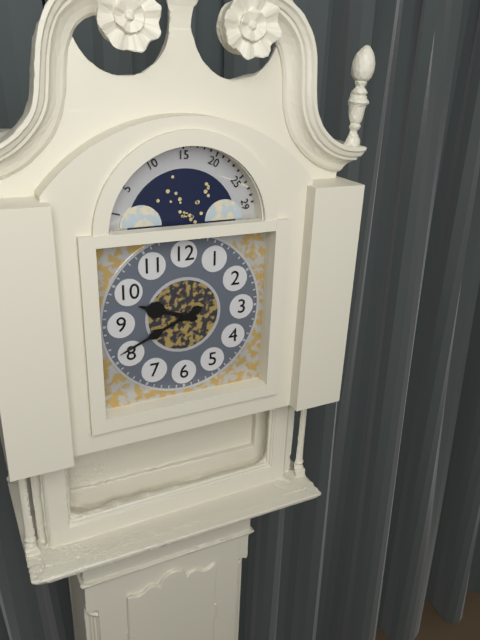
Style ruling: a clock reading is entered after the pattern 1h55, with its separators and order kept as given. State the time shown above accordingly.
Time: 9h41
